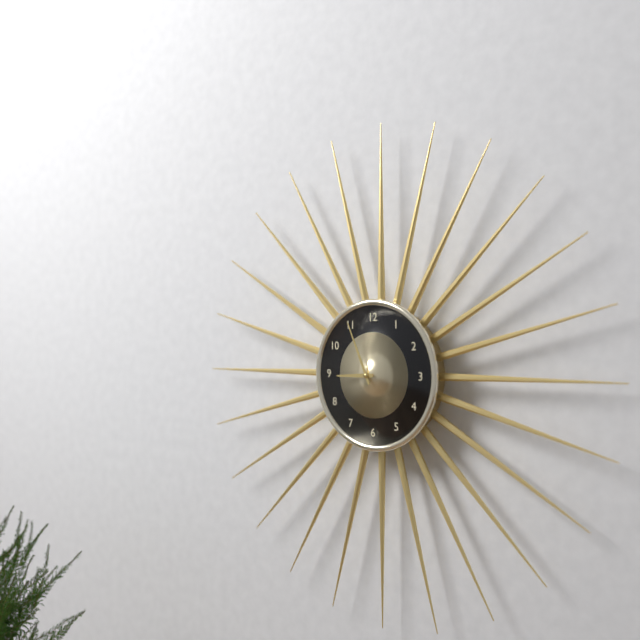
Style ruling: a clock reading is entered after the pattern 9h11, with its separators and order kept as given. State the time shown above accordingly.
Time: 8h56
